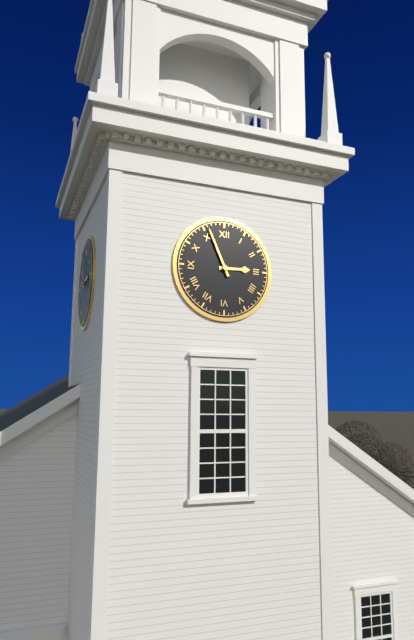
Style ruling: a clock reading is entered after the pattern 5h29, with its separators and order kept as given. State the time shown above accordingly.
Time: 2h56
